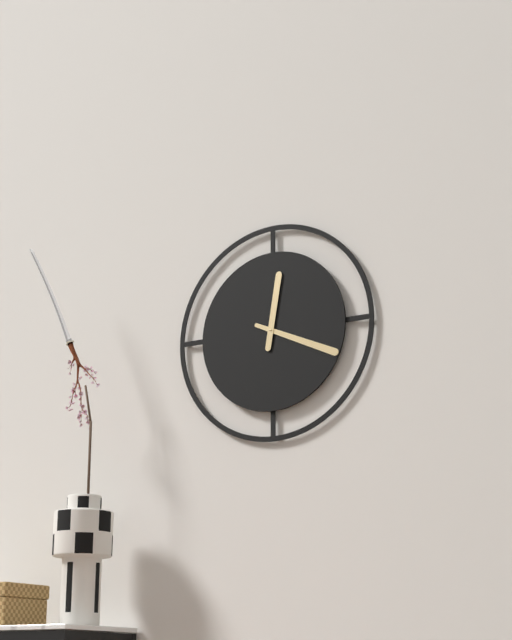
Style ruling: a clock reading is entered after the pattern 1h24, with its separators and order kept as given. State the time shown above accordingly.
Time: 12h19
